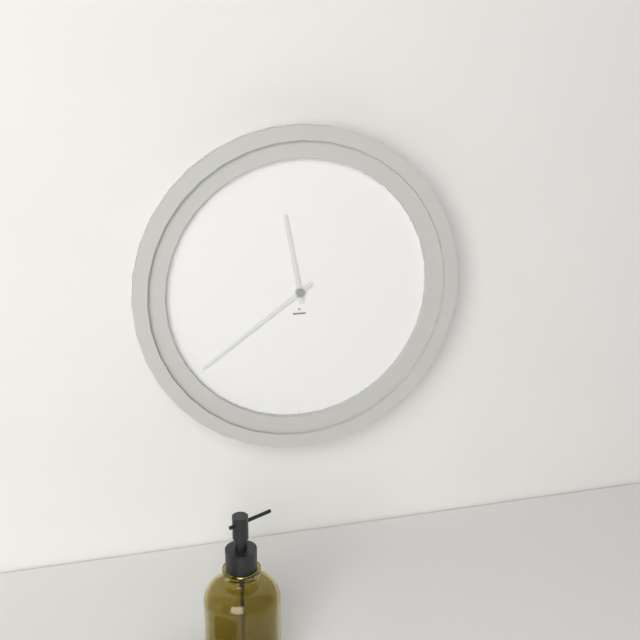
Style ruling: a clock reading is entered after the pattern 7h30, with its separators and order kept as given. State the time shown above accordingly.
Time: 11h39
